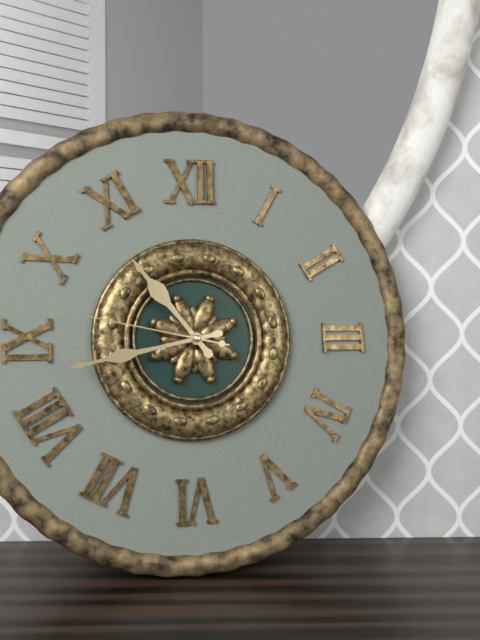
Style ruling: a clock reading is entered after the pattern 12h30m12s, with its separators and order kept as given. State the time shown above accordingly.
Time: 10h43m47s
